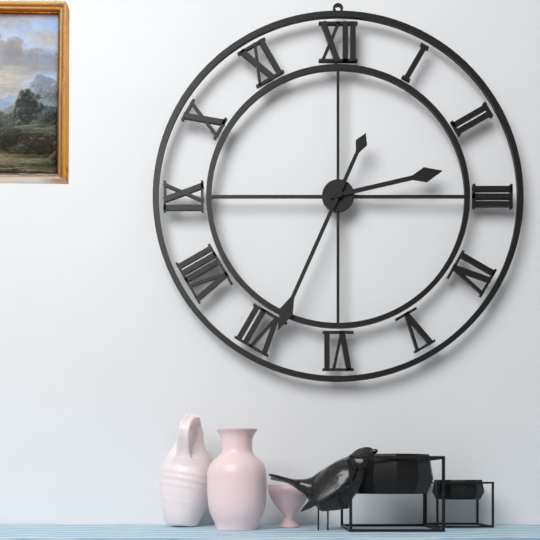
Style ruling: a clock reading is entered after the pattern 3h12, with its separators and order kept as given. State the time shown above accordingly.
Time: 2h34
